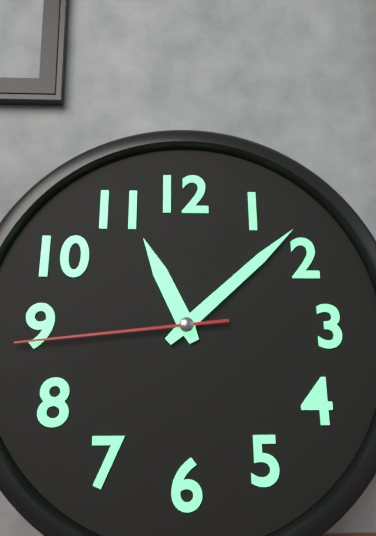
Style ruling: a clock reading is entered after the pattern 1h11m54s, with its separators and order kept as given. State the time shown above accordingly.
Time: 11h08m44s
